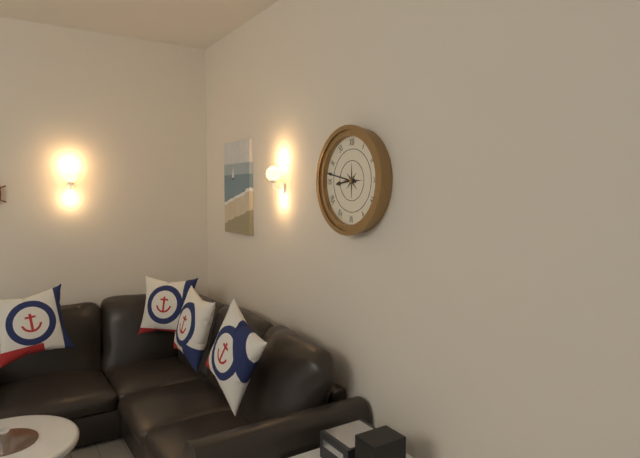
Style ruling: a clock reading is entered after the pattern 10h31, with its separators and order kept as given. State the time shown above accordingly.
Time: 8h47
